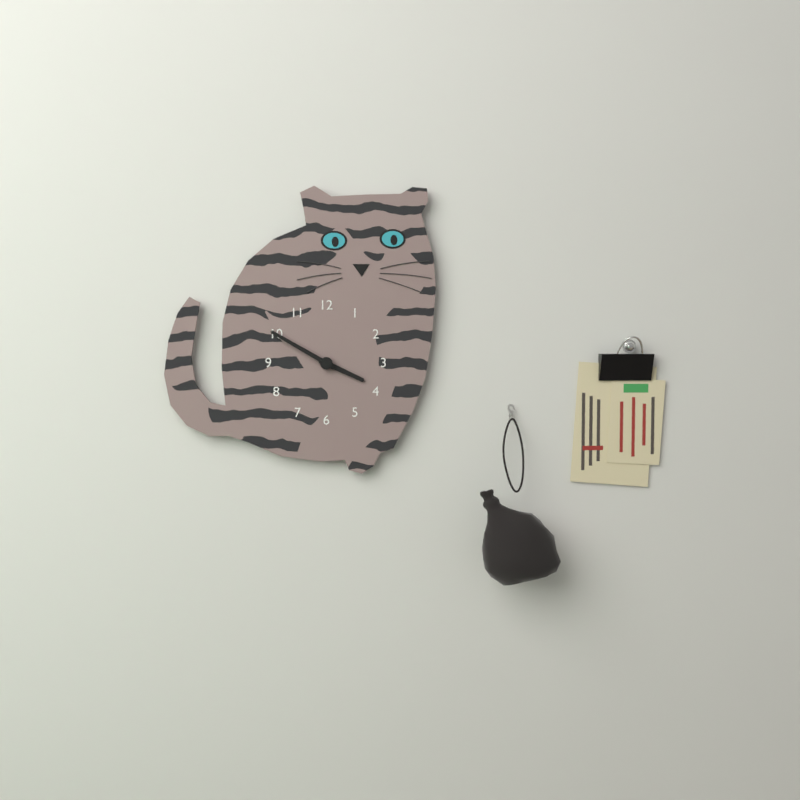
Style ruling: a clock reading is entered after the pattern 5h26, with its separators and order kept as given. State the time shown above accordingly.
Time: 3h50
